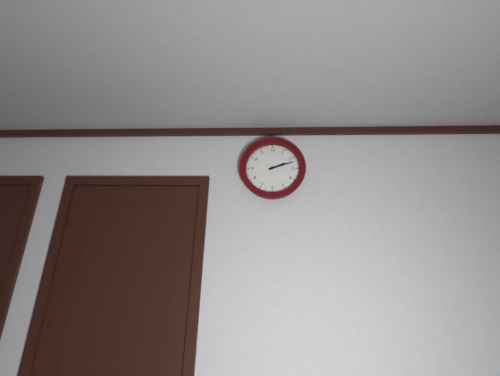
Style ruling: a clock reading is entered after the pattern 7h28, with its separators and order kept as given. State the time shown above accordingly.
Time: 2h12
